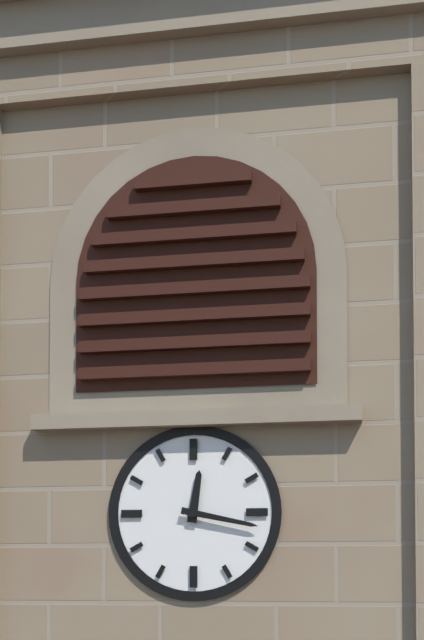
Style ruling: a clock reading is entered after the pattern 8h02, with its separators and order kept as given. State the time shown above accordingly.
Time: 12h17
